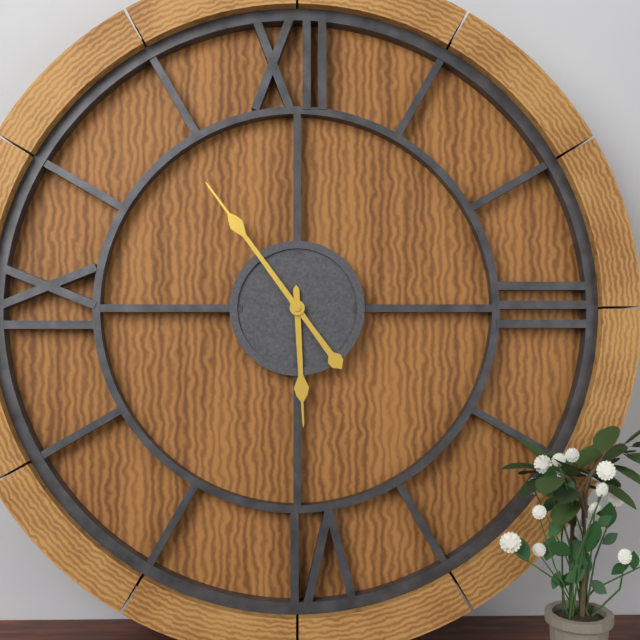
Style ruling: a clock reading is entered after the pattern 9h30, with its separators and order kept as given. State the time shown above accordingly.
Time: 5h54
